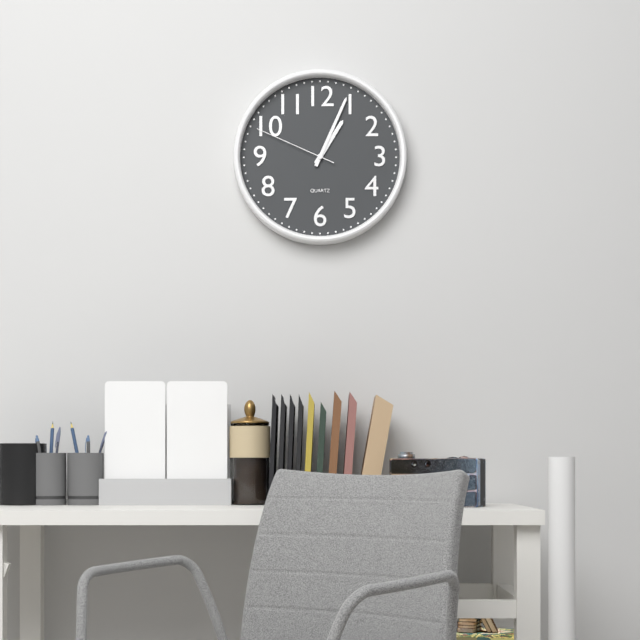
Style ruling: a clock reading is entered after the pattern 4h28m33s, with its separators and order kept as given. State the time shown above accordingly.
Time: 1h04m49s
